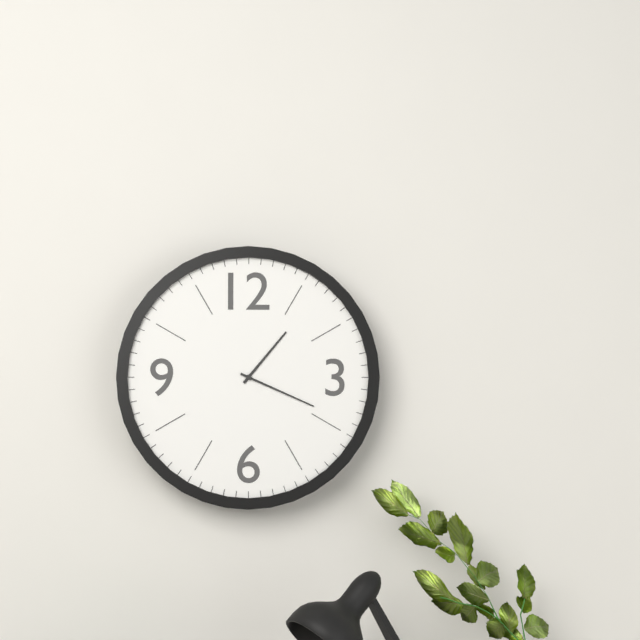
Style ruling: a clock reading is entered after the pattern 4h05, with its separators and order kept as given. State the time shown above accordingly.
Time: 1h19
